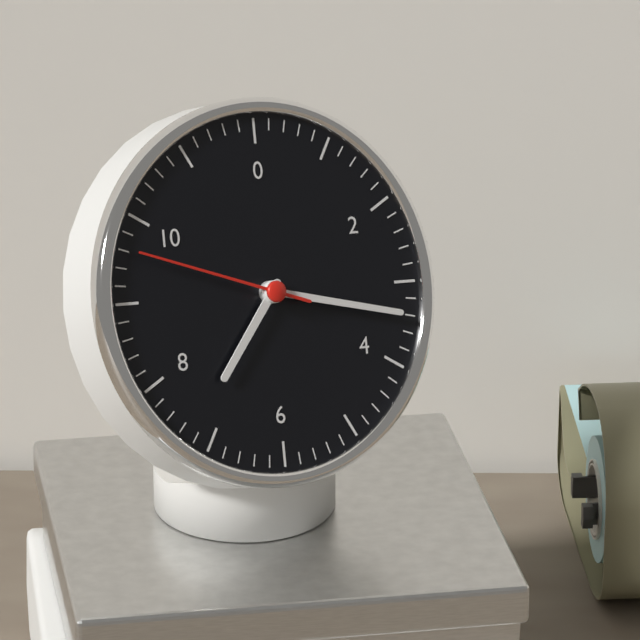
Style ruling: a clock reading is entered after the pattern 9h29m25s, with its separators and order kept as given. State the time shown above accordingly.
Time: 7h17m48s
